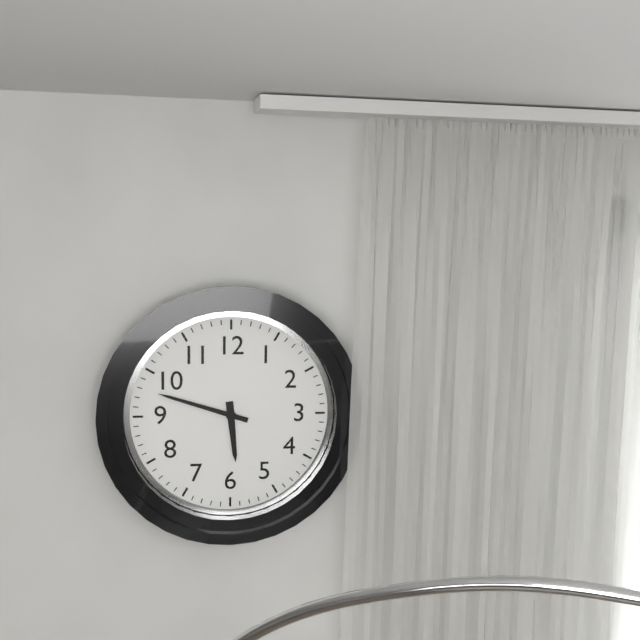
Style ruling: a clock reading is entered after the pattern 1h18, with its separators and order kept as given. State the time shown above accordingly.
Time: 5h48
